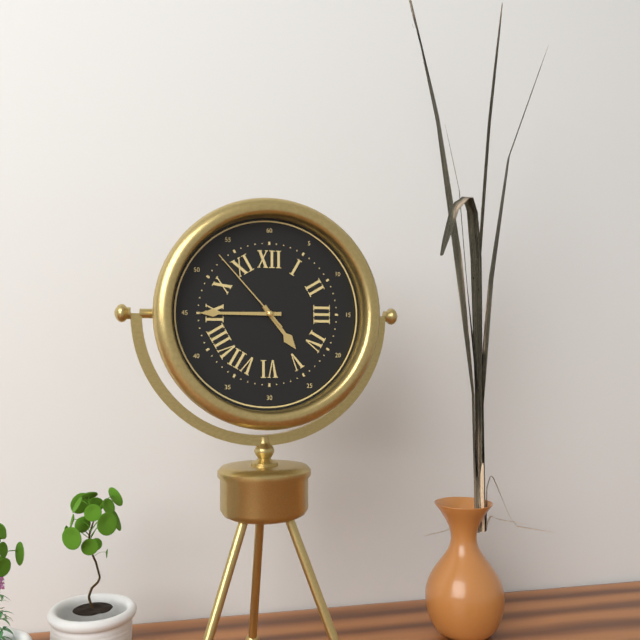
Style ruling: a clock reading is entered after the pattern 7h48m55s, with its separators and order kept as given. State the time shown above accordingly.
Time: 4h45m53s
